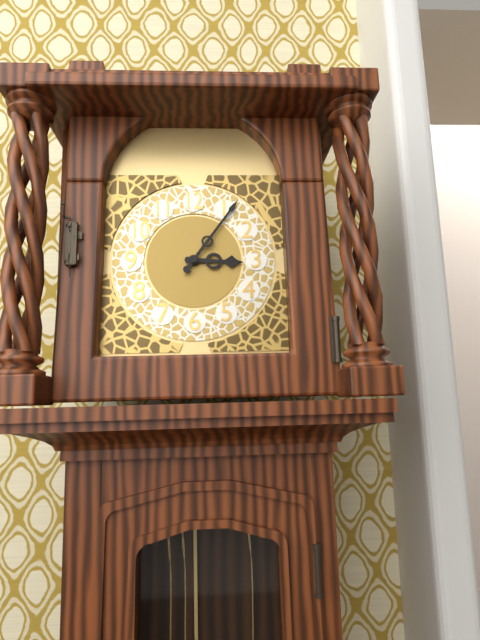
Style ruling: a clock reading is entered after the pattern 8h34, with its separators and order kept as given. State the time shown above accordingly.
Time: 3h06
